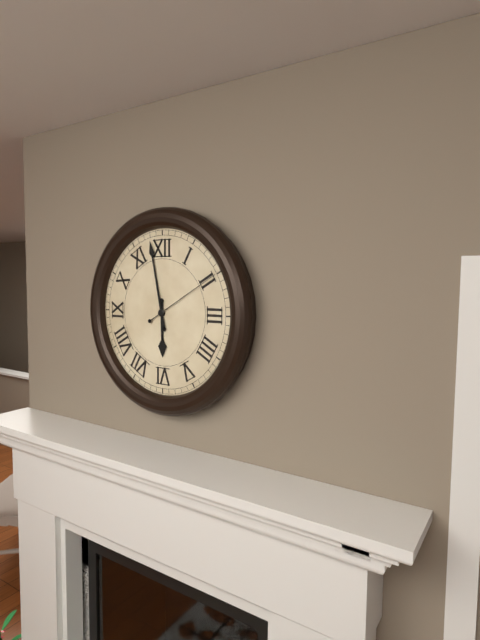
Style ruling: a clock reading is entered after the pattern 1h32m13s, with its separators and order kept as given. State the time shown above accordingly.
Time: 5h58m10s
